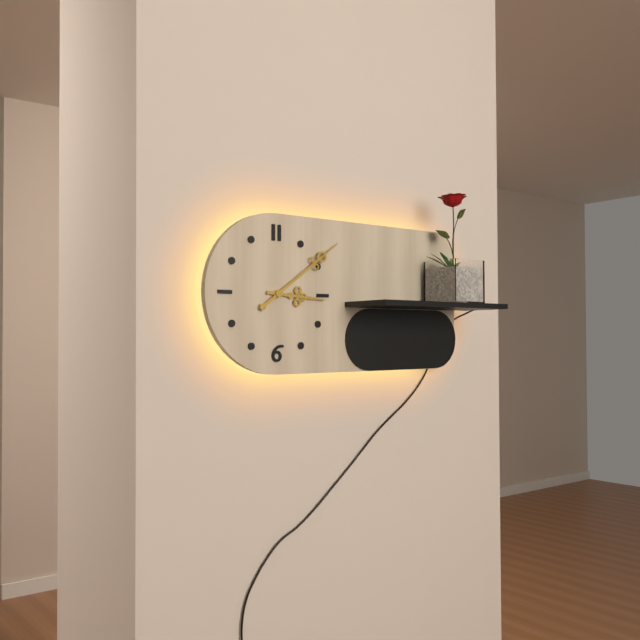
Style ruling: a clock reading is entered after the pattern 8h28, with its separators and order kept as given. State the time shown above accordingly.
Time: 3h09
